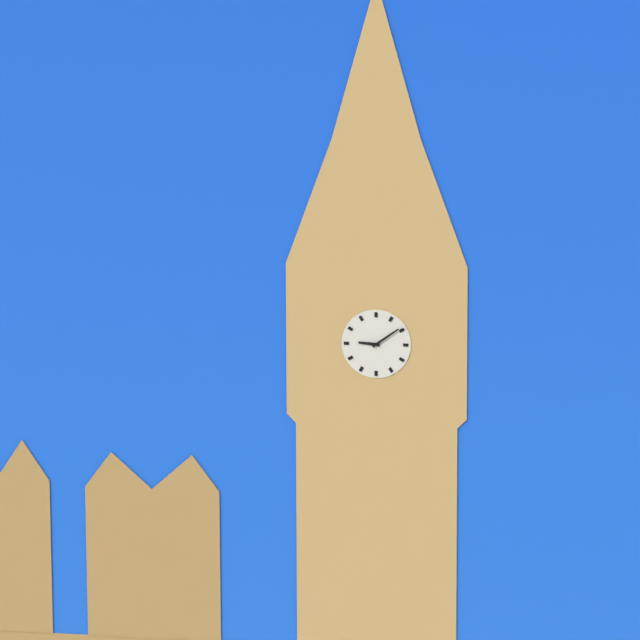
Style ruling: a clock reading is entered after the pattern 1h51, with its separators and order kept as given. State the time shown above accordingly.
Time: 9h09
